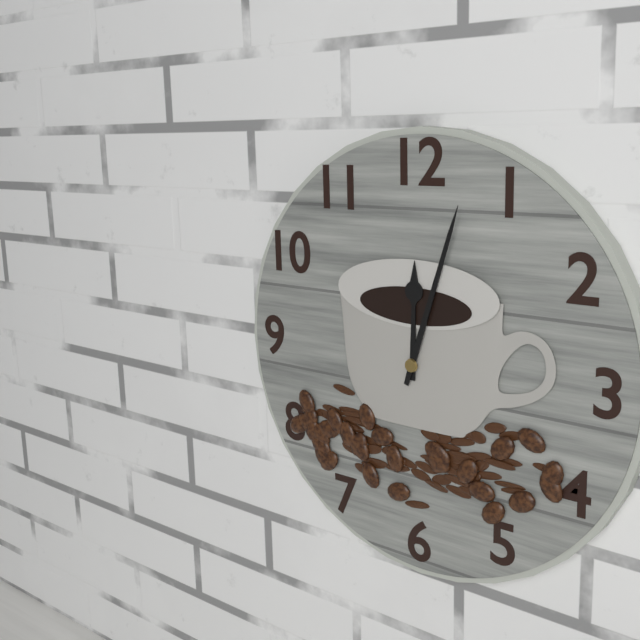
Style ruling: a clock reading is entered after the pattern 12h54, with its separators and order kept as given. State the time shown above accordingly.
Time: 12h03
